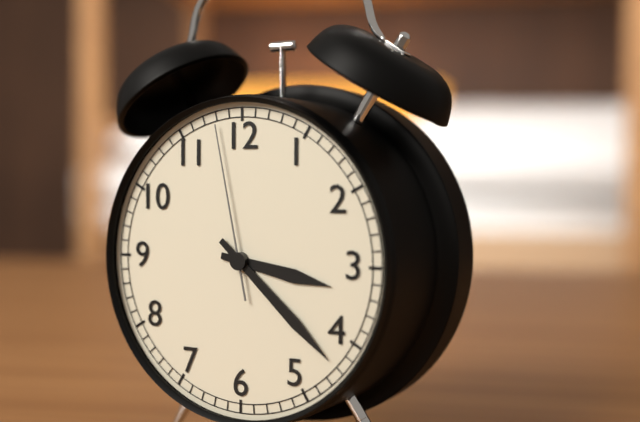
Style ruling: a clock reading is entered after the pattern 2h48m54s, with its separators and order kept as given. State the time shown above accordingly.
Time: 3h22m58s
